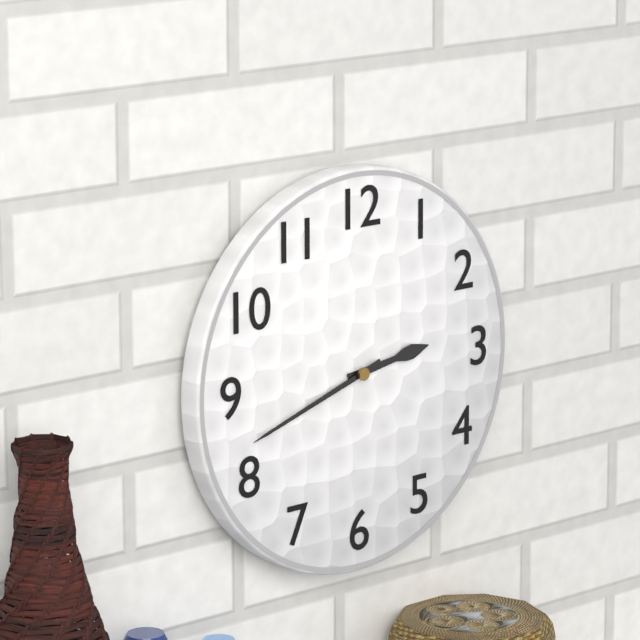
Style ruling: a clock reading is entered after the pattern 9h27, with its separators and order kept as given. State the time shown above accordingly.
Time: 2h42
